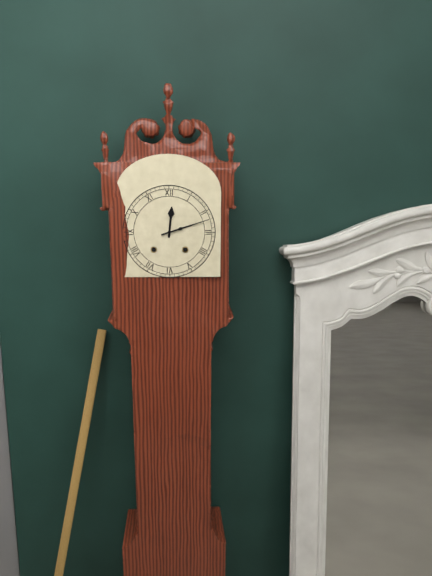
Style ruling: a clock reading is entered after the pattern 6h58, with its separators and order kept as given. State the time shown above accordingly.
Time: 12h12
